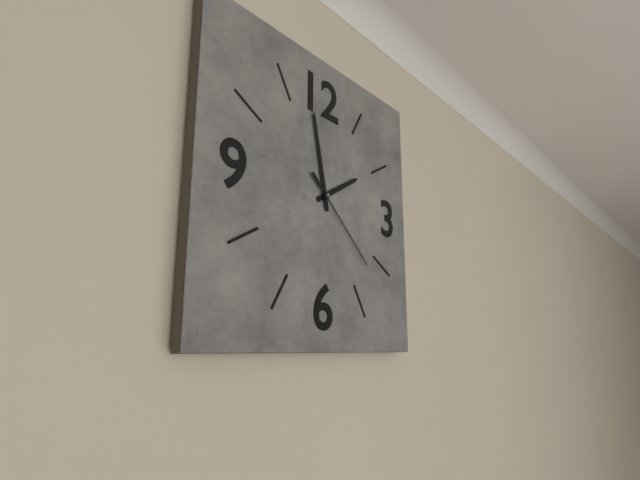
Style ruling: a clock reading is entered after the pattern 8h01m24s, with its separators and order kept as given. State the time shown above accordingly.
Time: 1h58m22s
